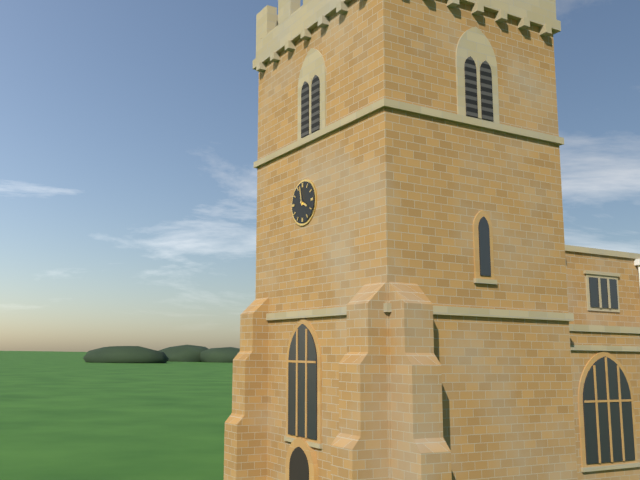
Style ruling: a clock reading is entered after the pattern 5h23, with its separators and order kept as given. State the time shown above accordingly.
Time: 3h58
